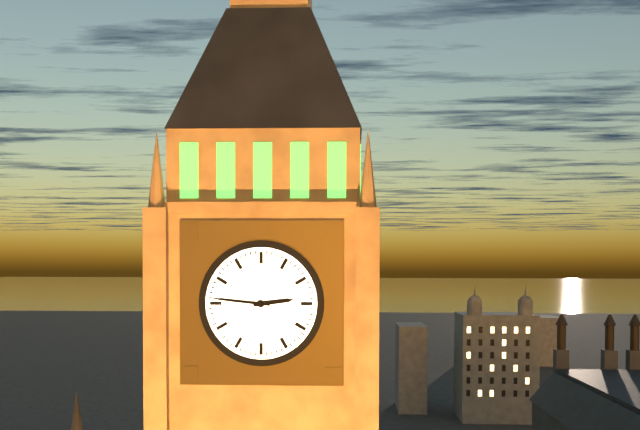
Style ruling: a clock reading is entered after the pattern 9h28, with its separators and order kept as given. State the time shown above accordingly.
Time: 2h46
